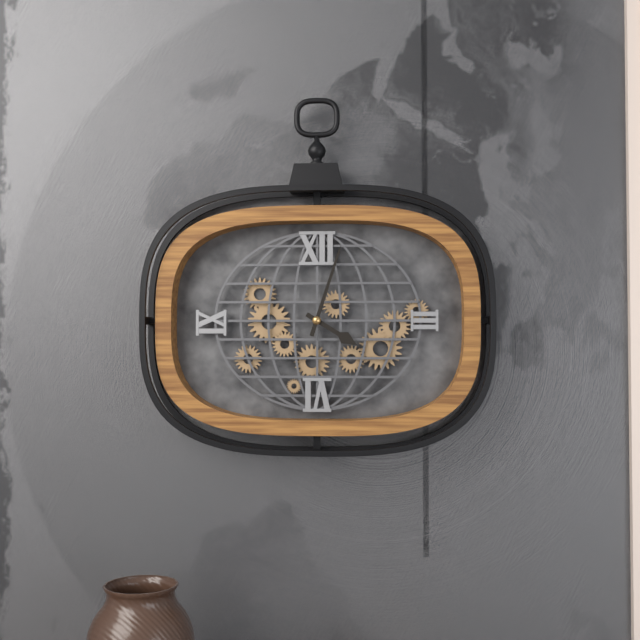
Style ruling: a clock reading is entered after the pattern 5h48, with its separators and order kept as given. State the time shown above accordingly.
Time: 4h03
